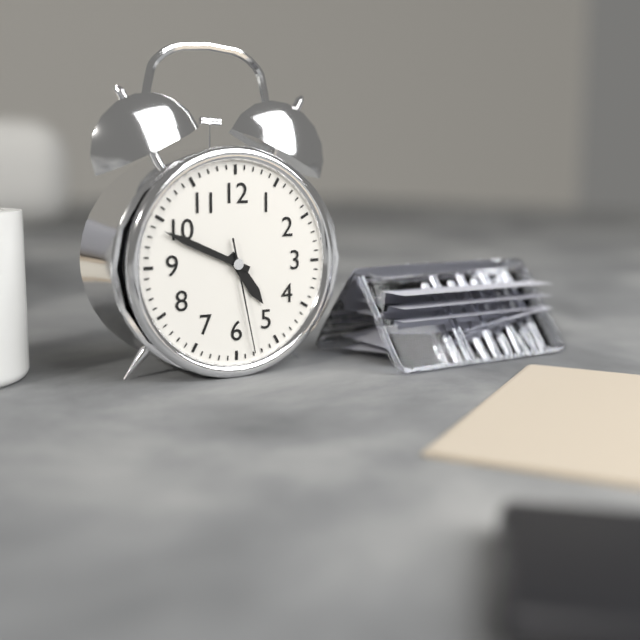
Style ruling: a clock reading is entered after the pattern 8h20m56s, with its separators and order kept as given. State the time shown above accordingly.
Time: 4h49m28s
